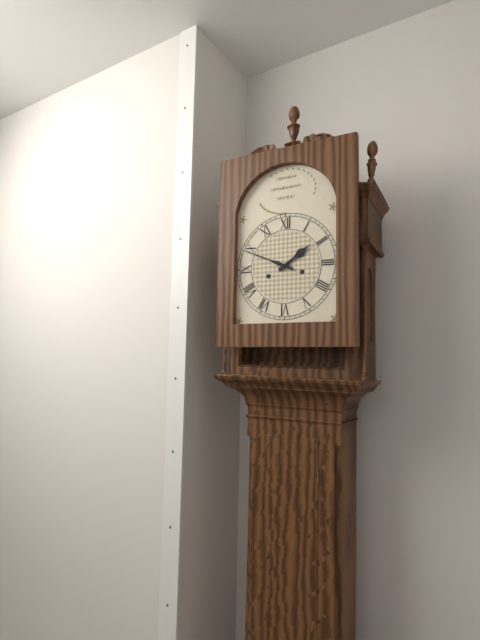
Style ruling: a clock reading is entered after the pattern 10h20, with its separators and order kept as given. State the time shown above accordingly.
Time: 1h49
